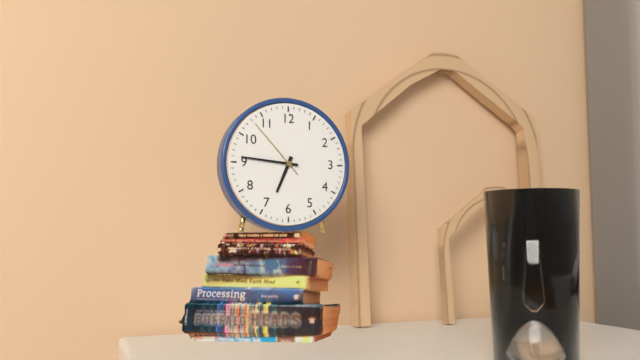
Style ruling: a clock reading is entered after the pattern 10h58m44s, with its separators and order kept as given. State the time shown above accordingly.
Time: 6h46m53s
